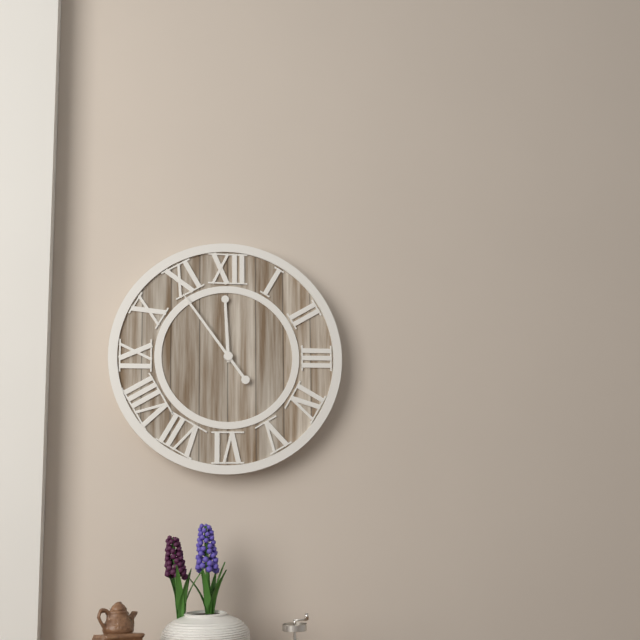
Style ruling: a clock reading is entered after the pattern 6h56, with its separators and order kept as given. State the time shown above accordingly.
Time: 11h54
